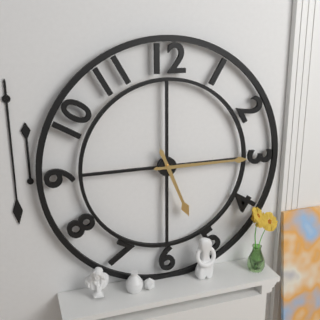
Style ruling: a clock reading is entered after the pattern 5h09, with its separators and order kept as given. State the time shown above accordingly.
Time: 5h15
